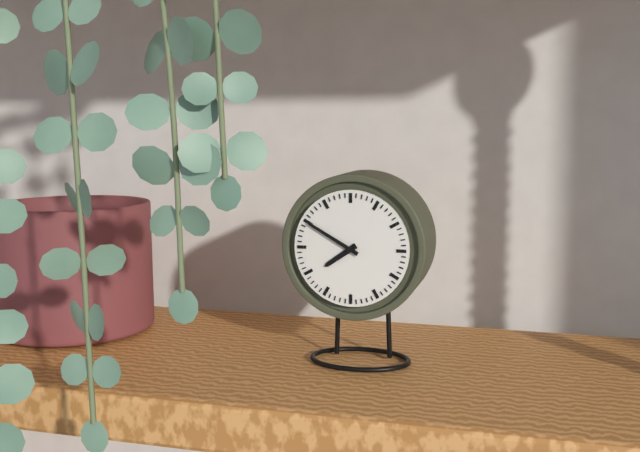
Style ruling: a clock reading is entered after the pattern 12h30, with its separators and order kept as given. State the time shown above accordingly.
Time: 7h50
